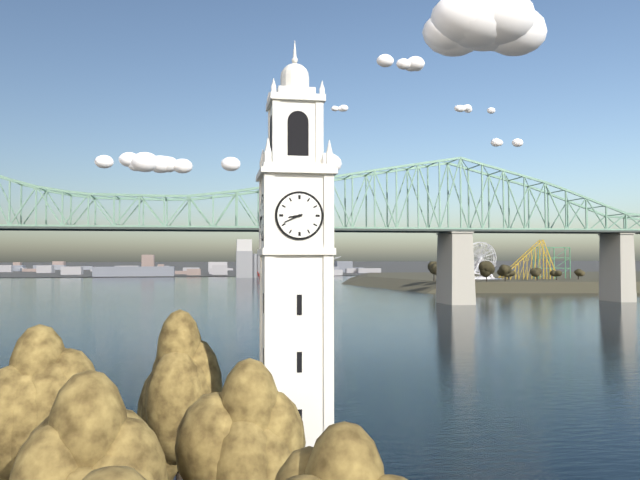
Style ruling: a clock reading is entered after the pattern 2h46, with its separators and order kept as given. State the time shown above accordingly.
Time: 8h41
